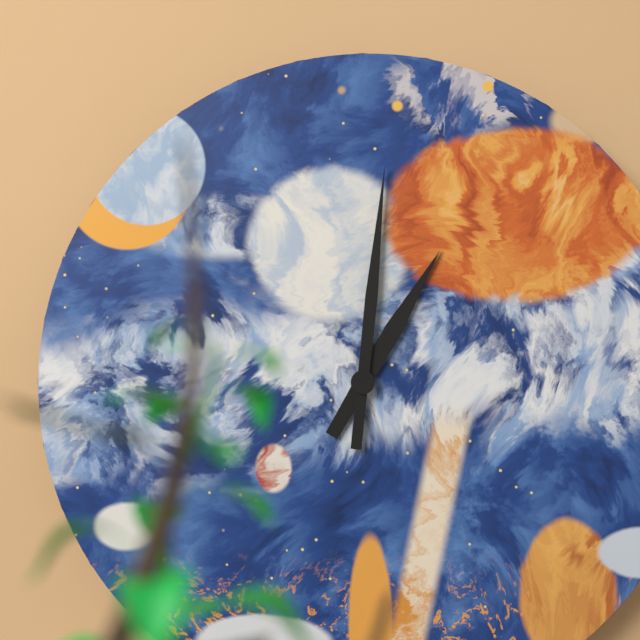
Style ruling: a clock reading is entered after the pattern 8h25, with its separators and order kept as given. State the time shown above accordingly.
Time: 1h01
